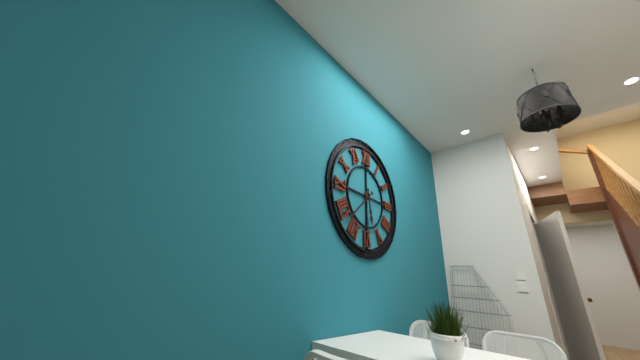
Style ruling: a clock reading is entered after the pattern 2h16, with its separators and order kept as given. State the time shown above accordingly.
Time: 5h38
